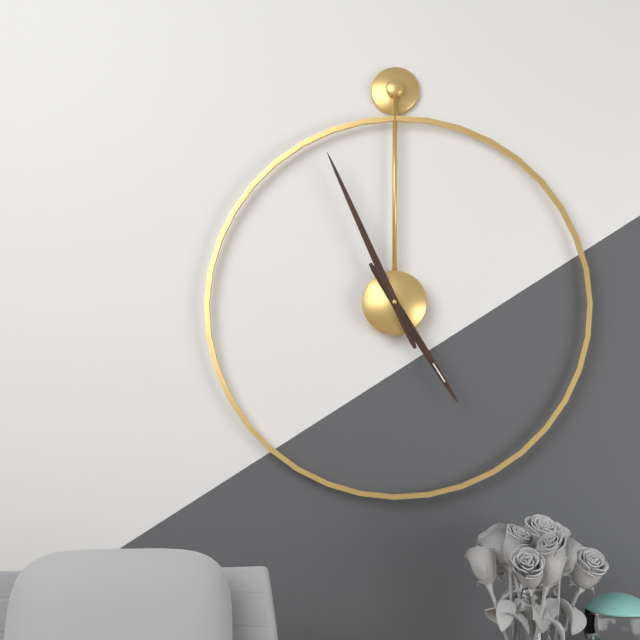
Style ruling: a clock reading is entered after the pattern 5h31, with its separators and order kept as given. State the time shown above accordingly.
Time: 4h56
